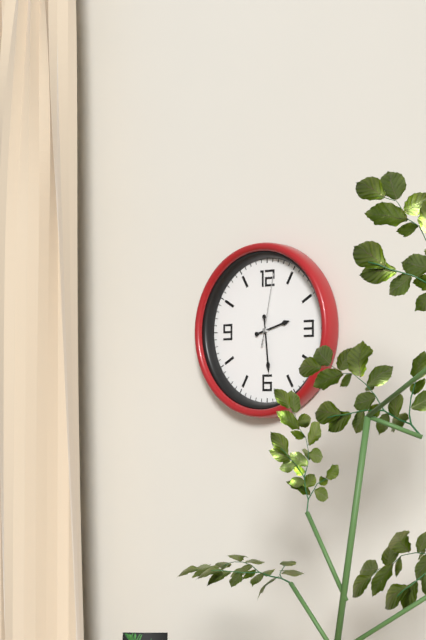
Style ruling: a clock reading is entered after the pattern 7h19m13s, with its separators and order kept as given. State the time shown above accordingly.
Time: 2h29m02s
